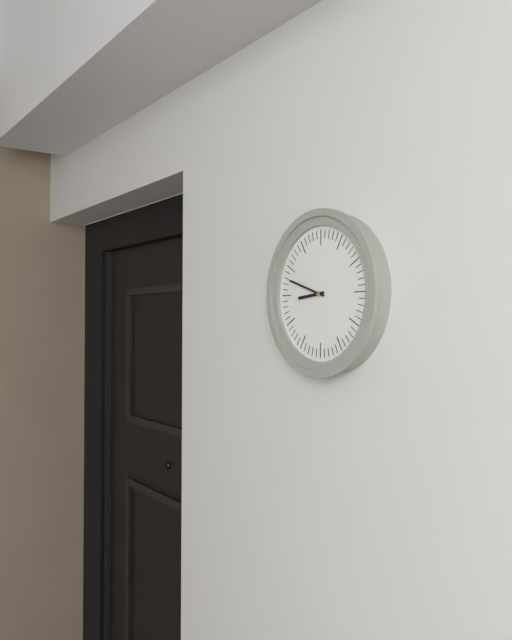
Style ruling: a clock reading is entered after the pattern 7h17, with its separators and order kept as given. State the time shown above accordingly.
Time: 8h48
